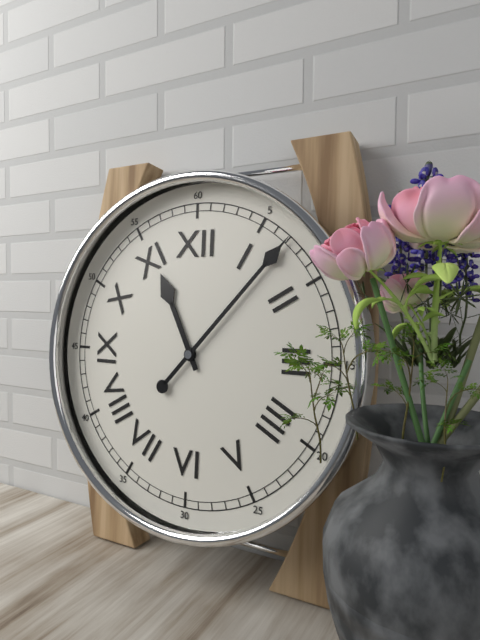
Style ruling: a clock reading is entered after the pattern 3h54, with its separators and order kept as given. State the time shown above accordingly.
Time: 11h07
